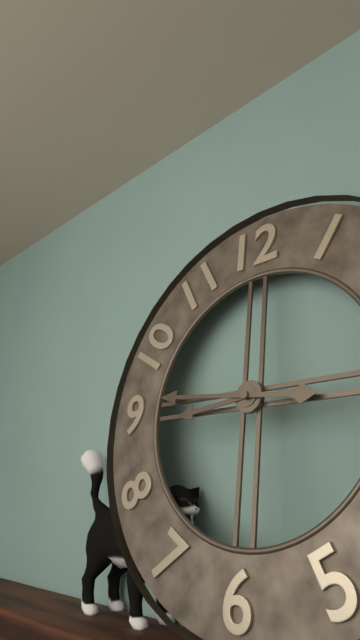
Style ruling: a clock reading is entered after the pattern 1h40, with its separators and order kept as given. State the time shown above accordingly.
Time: 8h46
